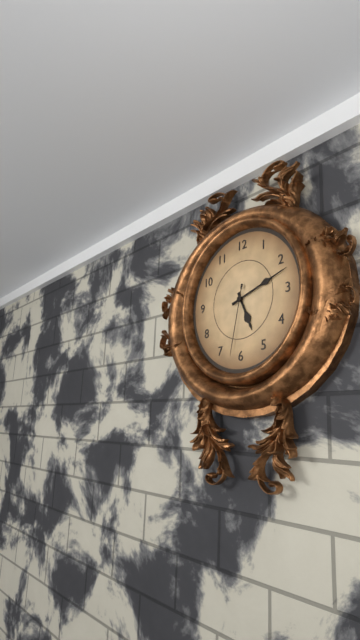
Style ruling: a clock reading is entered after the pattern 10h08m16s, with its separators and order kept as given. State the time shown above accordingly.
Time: 5h12m32s
